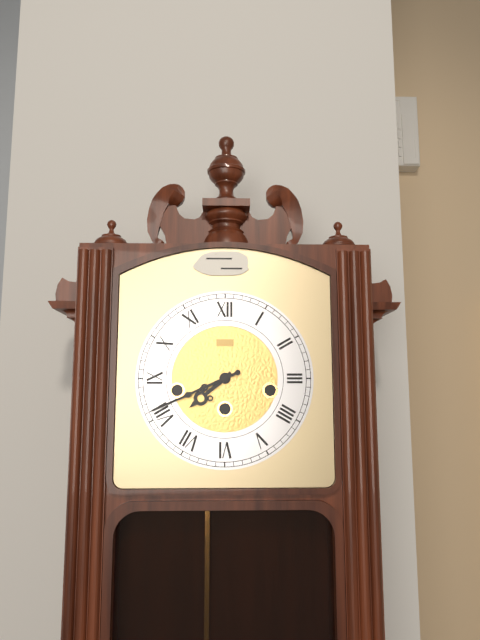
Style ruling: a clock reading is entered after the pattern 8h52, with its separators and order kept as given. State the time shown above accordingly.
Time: 7h41
